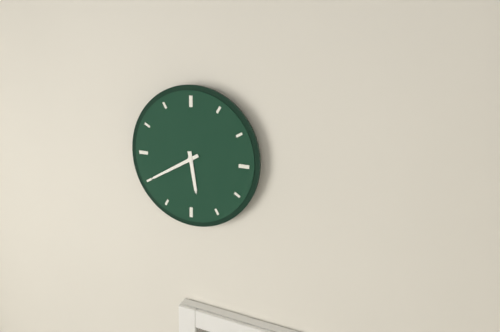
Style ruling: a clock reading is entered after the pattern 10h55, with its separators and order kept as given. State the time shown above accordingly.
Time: 5h40
